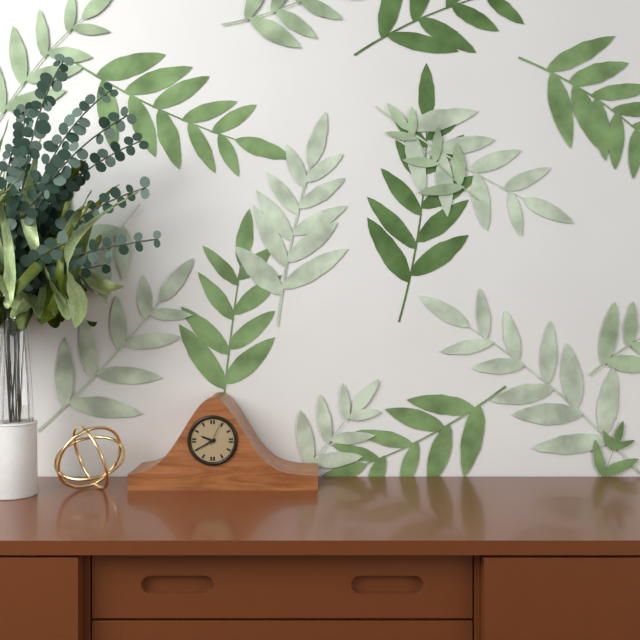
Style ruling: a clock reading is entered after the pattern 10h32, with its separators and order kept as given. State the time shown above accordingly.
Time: 9h40
